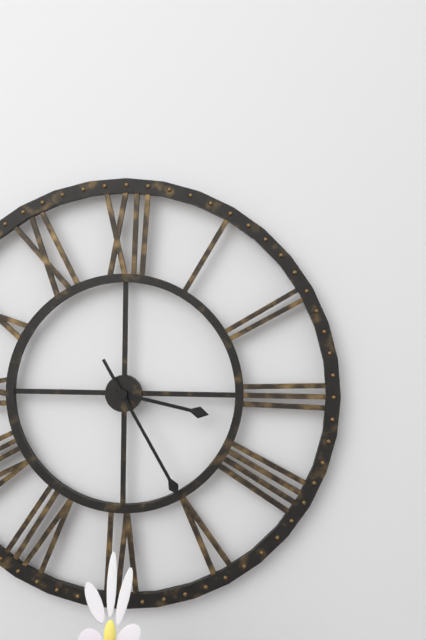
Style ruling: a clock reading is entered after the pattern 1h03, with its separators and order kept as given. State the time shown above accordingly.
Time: 3h25
